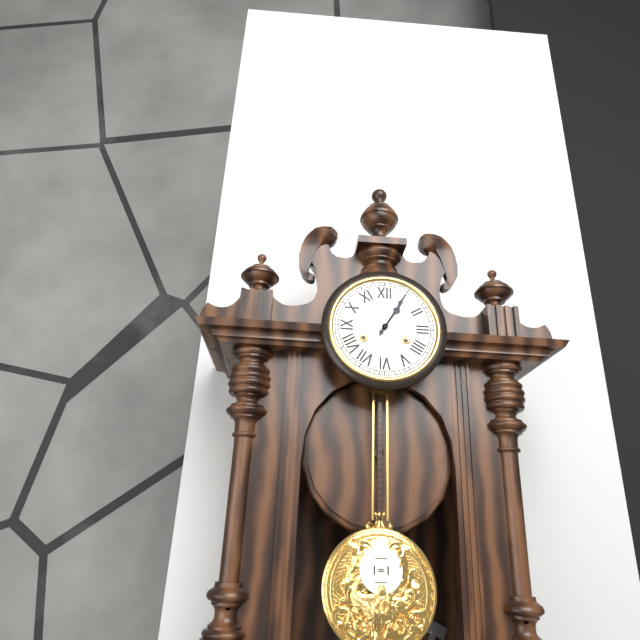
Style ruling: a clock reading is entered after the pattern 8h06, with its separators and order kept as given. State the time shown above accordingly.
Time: 1h05
